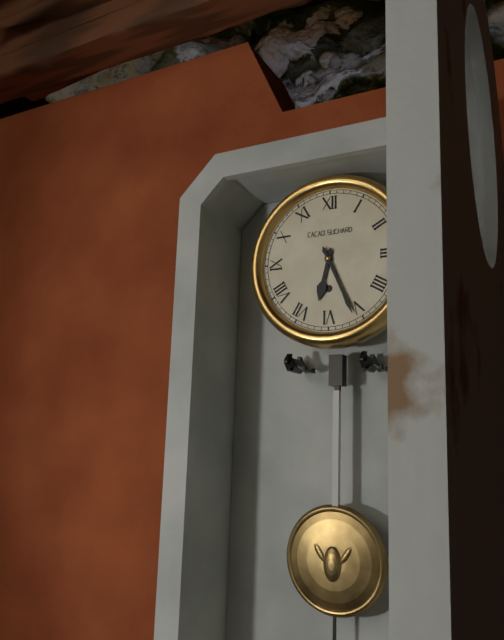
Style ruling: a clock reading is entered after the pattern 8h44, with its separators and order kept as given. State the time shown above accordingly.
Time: 6h26
